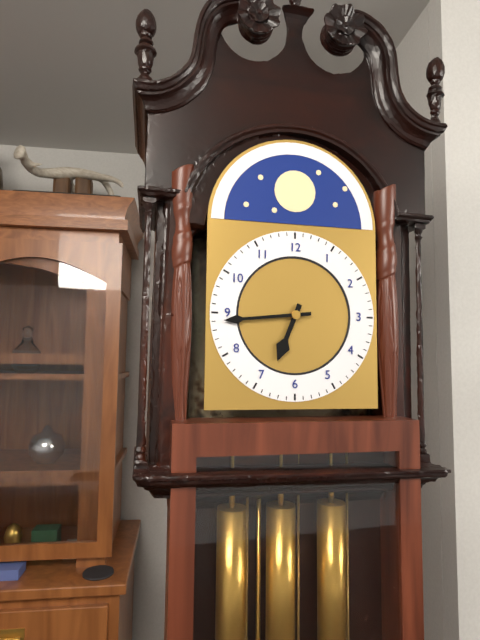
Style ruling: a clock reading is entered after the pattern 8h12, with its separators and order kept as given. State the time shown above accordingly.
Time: 6h44
